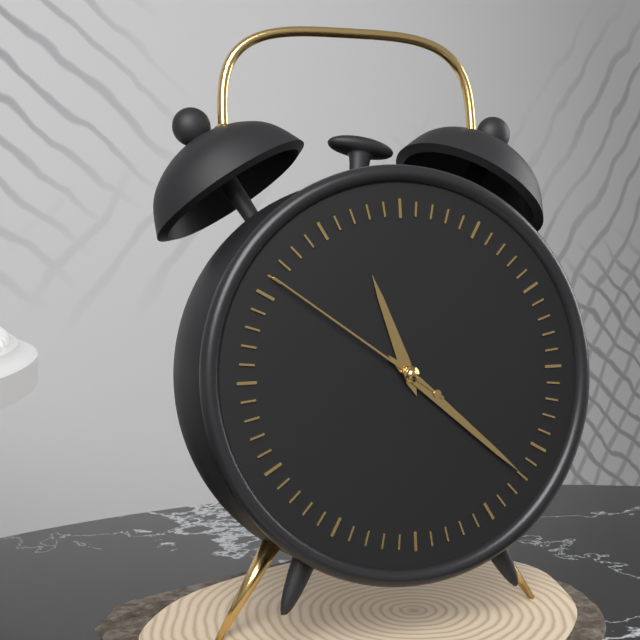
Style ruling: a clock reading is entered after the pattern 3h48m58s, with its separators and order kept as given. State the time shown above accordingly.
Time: 11h22m51s
